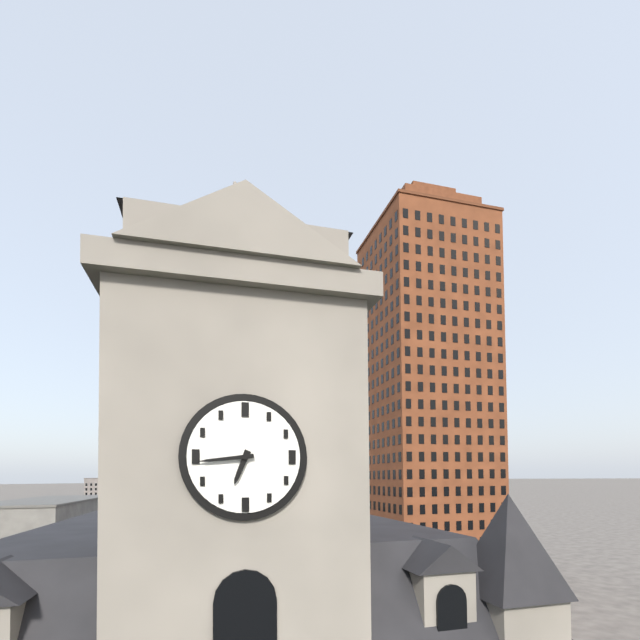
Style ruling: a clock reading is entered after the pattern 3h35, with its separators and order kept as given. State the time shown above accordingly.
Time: 6h44
